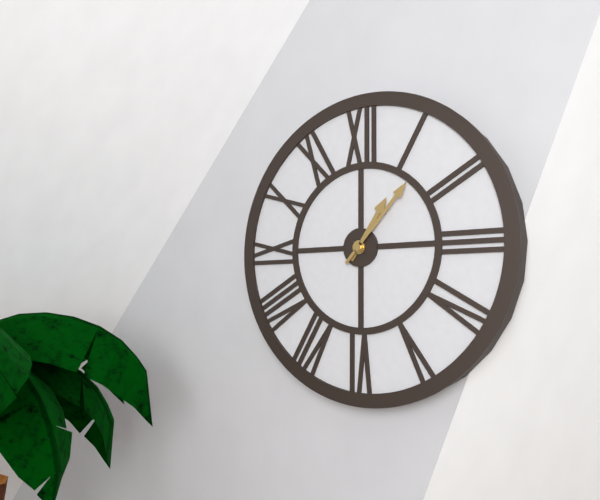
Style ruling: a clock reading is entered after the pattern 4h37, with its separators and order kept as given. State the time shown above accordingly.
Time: 1h07
